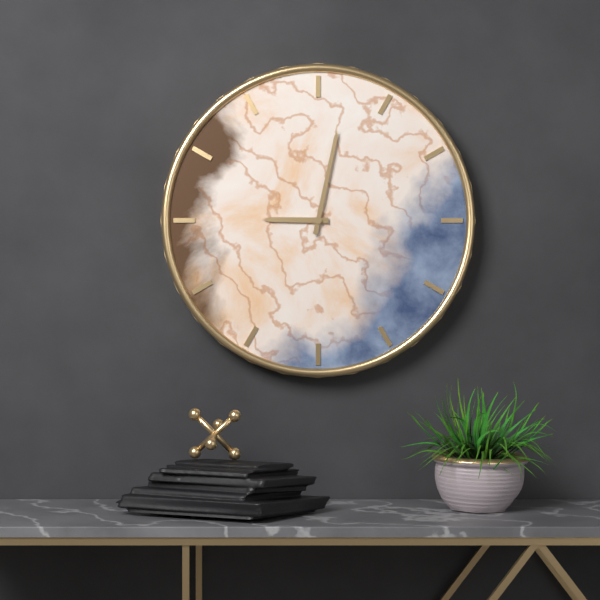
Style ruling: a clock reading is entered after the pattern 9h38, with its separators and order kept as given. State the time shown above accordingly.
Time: 9h02
